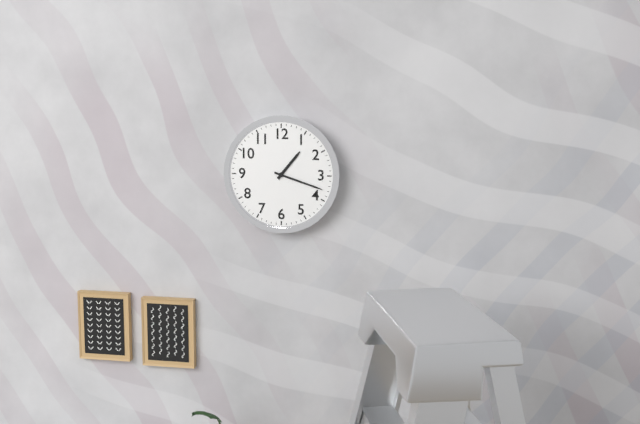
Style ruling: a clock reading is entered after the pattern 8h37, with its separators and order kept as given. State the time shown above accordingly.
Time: 1h18
